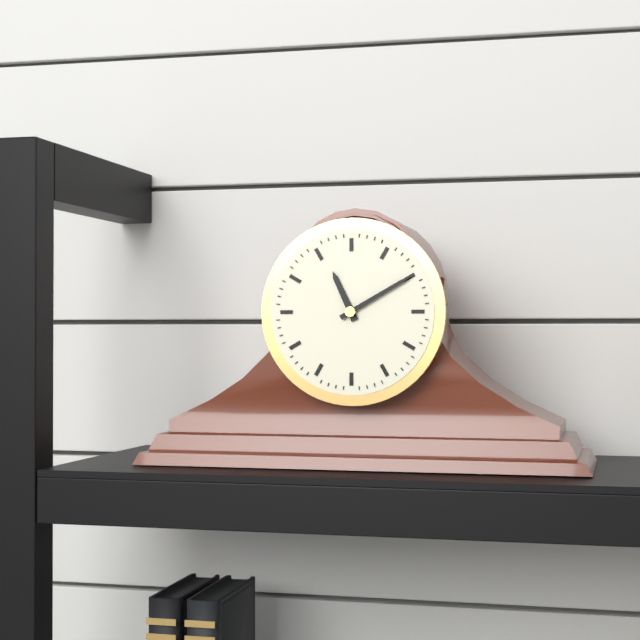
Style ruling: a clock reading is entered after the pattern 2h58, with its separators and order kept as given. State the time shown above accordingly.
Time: 11h10
